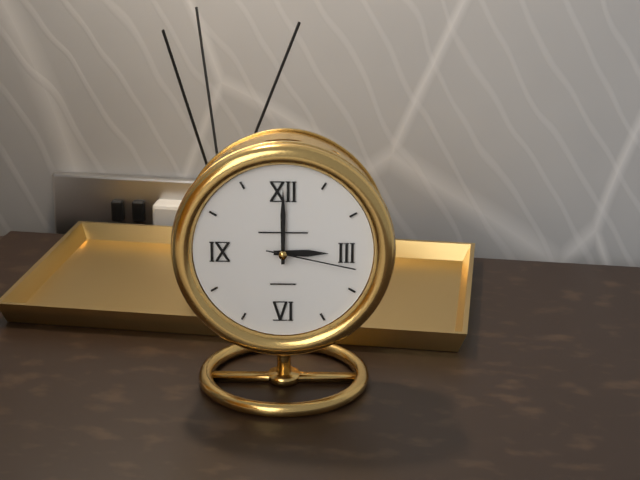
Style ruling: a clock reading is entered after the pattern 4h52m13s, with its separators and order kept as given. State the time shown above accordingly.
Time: 3h00m17s
